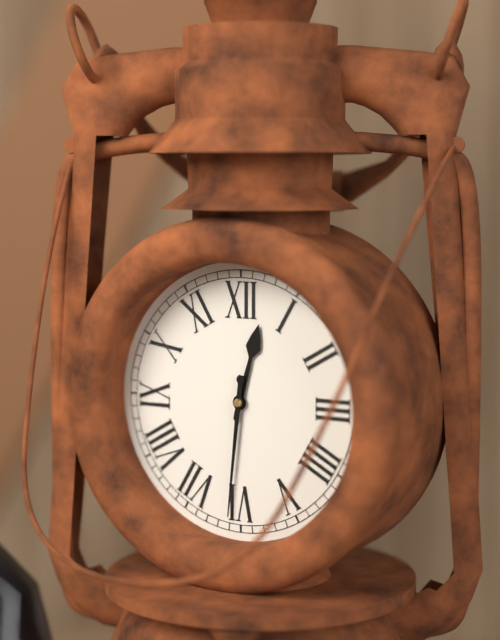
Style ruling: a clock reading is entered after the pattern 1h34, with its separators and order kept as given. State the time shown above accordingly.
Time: 12h31
